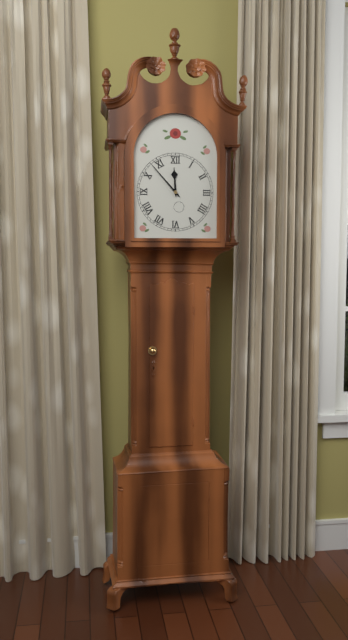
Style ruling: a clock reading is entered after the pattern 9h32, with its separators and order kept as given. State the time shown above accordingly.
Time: 11h53
